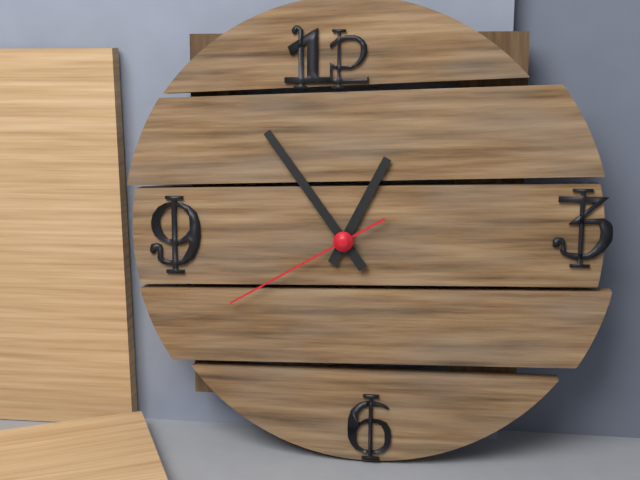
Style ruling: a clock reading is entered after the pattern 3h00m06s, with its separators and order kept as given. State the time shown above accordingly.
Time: 12h54m40s
